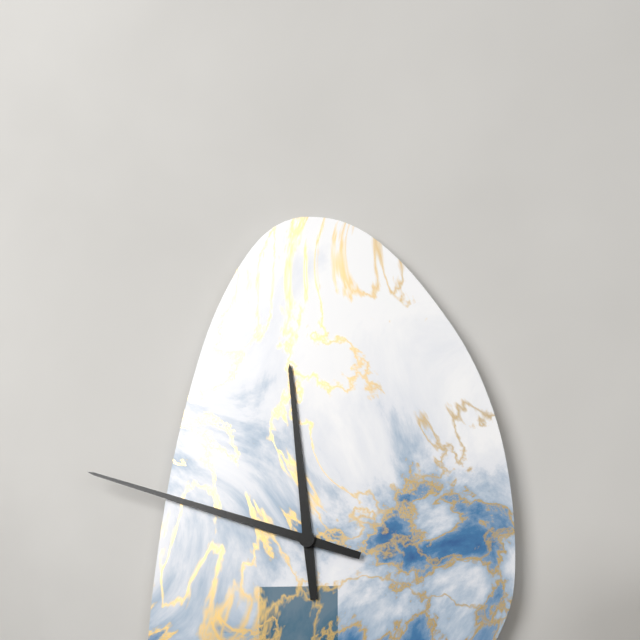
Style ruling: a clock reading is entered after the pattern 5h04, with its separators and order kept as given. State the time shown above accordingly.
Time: 11h48
